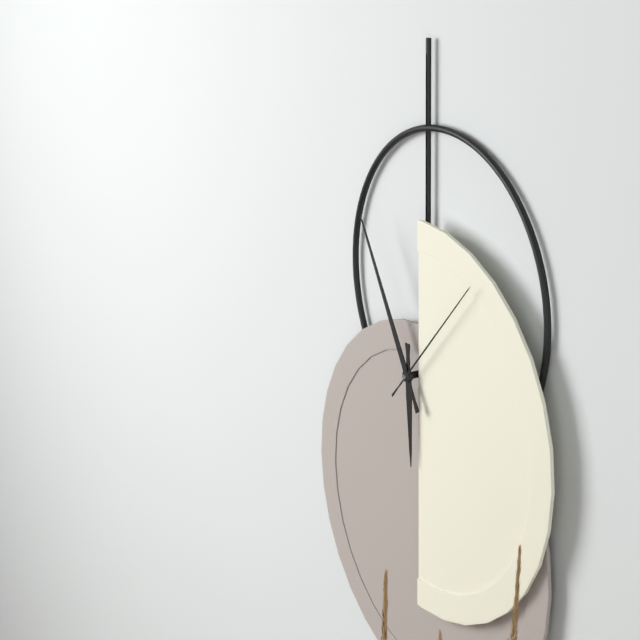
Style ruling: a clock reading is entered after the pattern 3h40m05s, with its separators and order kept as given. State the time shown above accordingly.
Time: 5h55m07s
